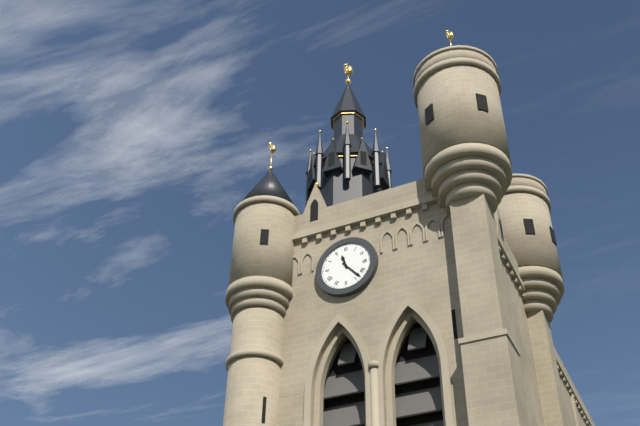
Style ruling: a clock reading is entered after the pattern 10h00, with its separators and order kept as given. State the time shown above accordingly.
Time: 11h23
